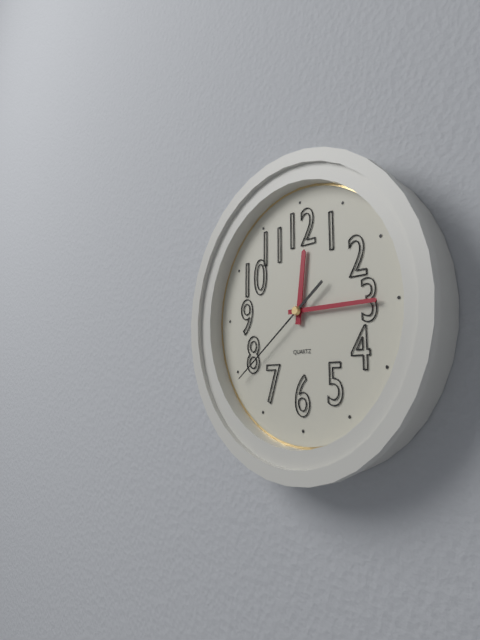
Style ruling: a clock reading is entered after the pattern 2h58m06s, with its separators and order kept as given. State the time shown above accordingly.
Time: 12h15m39s
